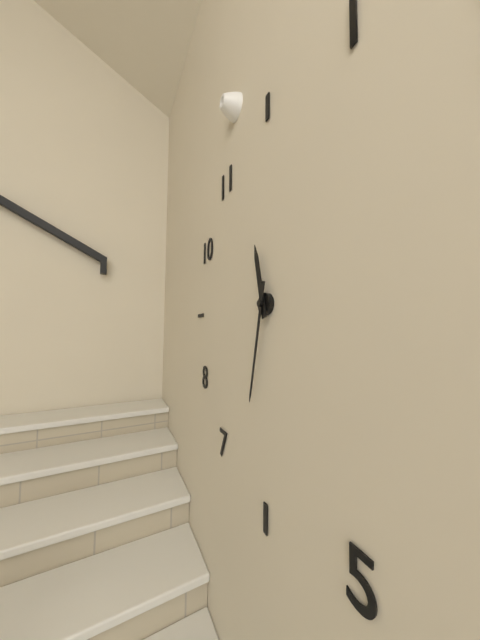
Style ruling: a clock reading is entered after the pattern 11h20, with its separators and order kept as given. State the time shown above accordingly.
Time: 11h32
